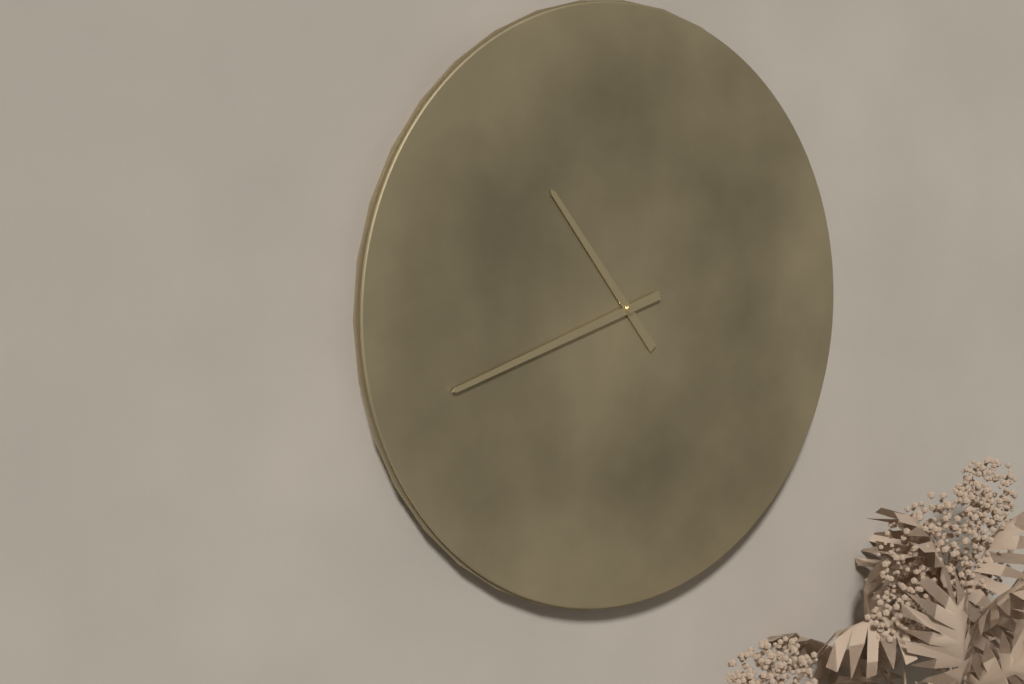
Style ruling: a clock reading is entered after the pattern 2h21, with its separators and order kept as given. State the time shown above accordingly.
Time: 10h42
